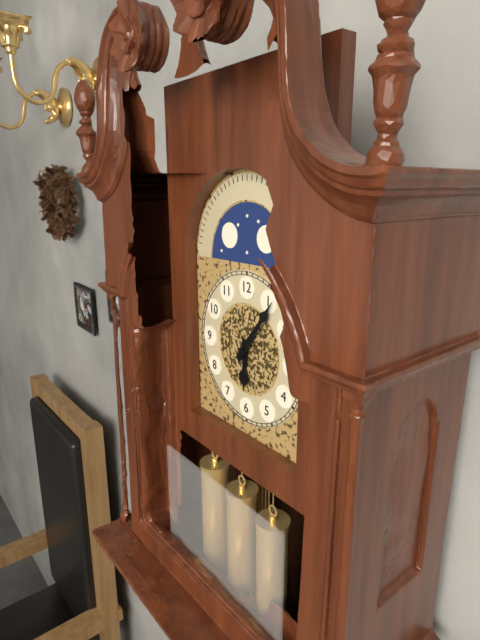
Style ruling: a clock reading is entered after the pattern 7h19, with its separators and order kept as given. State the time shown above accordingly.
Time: 6h06
